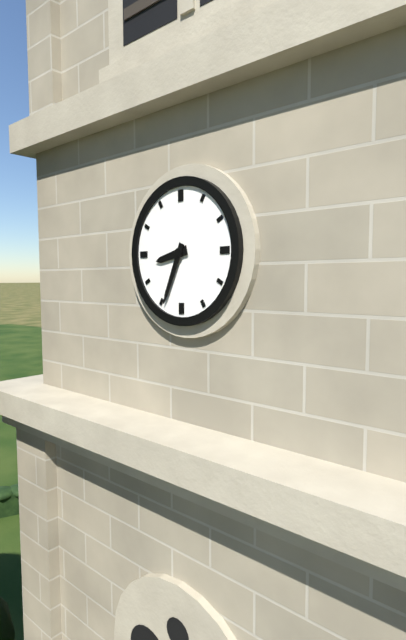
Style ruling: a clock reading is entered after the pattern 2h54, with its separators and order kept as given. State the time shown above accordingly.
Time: 8h34
